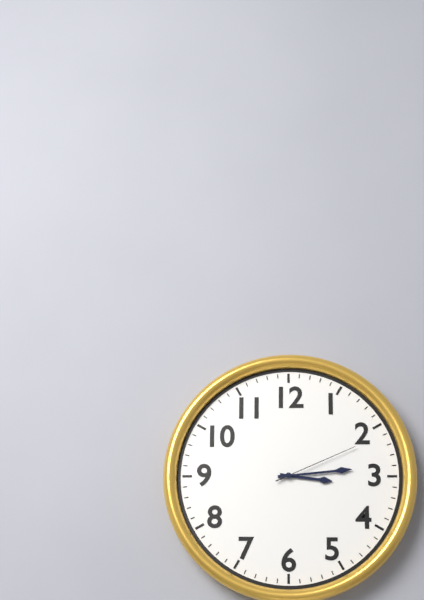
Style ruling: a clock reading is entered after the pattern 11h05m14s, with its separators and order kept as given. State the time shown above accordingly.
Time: 3h14m11s
